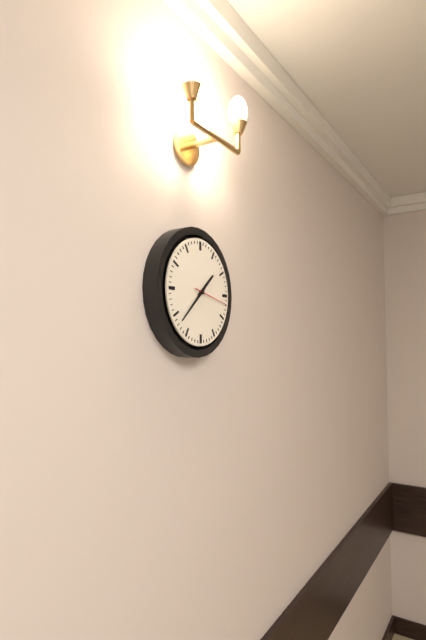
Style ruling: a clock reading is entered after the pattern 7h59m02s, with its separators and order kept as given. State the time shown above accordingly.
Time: 1h38m17s
